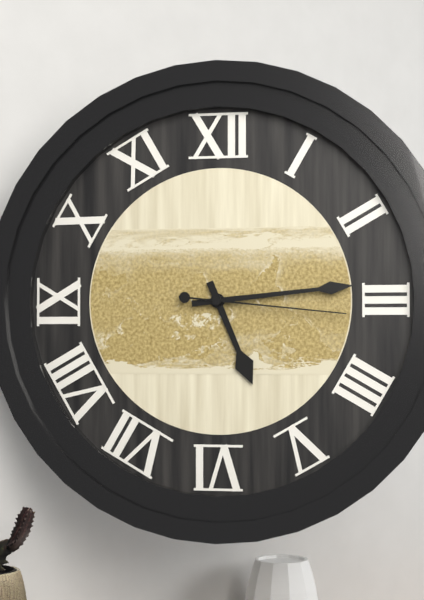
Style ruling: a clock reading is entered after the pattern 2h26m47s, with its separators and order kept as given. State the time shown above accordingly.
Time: 5h14m16s
